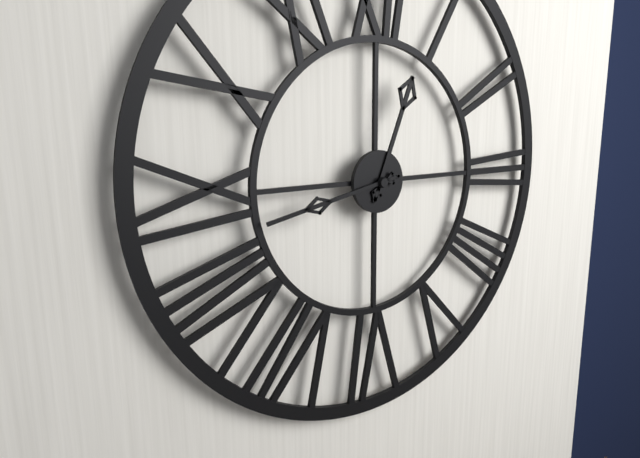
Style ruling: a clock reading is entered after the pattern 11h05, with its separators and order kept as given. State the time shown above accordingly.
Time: 12h43
